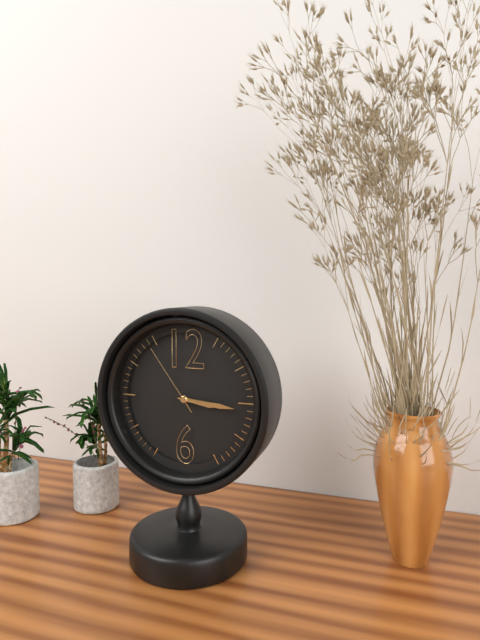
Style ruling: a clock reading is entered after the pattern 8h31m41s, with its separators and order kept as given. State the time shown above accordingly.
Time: 3h16m54s
